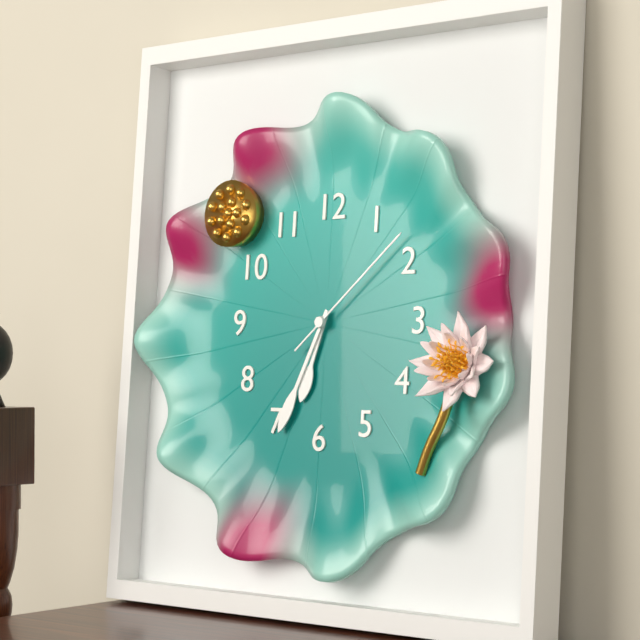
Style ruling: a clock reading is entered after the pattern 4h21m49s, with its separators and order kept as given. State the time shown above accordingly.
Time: 6h34m08s
